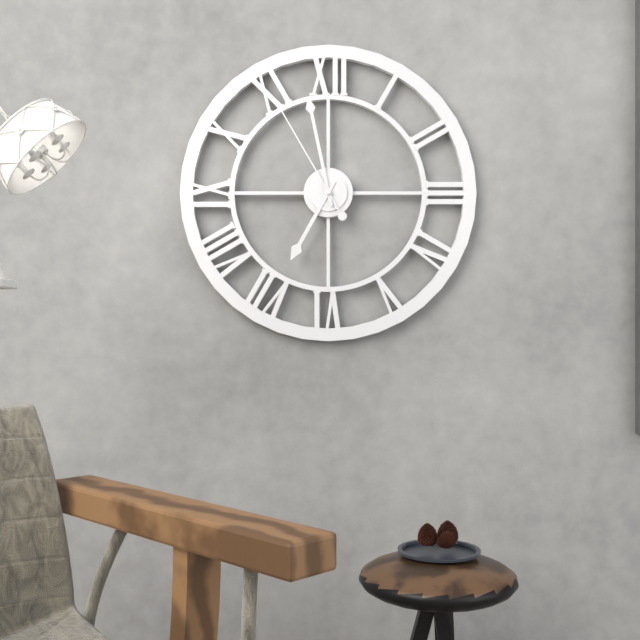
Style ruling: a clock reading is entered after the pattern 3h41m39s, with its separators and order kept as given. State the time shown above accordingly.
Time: 6h58m55s
